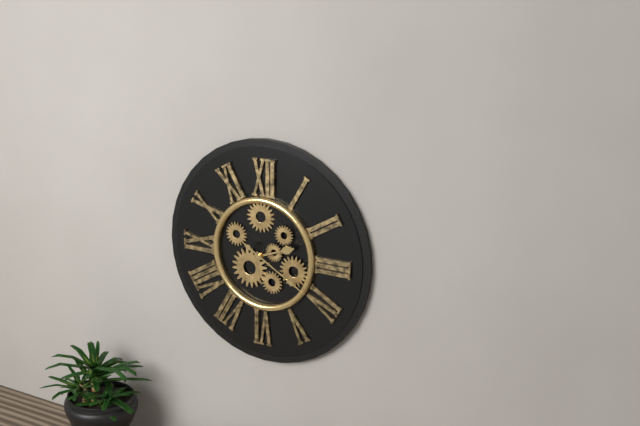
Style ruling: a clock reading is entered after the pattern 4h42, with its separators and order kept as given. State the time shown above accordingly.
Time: 2h20
